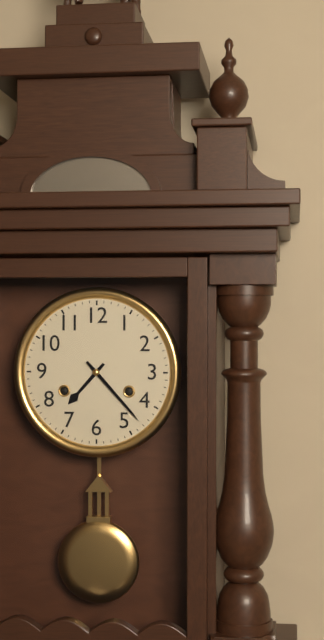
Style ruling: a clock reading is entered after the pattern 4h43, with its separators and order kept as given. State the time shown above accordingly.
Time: 7h23
